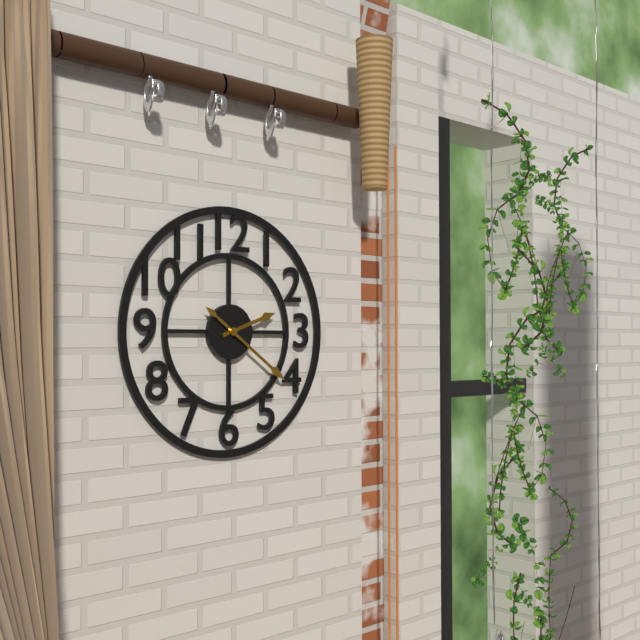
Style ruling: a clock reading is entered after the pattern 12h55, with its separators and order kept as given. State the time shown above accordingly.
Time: 2h21
